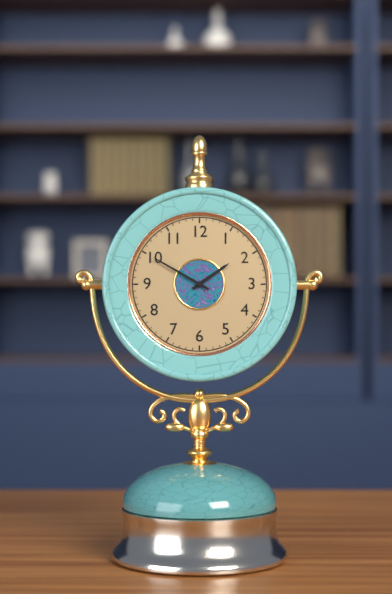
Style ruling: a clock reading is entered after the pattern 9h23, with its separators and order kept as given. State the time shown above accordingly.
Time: 1h50
